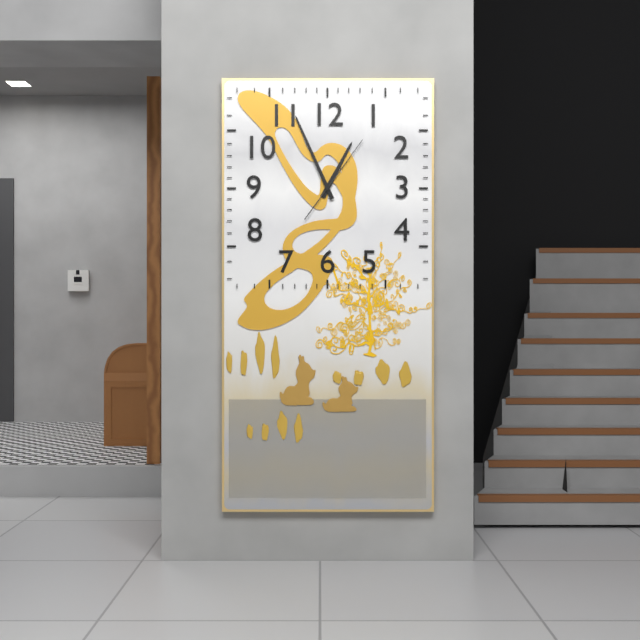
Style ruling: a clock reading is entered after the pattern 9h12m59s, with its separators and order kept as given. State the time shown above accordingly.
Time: 12h56m06s
